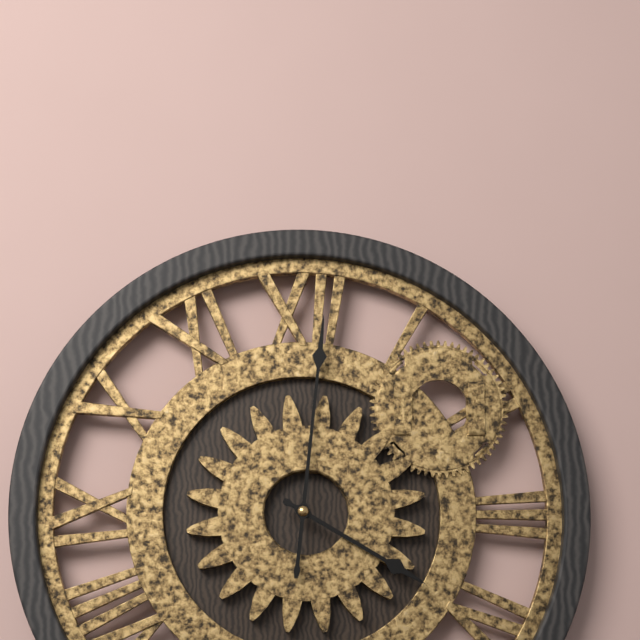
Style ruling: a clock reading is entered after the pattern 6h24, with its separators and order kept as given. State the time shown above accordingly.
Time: 4h01
